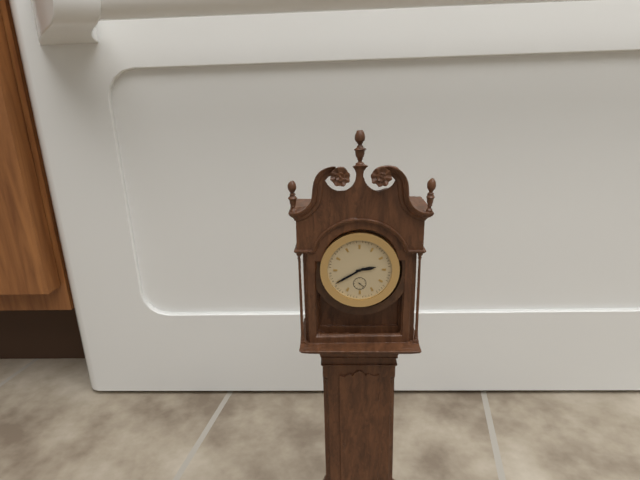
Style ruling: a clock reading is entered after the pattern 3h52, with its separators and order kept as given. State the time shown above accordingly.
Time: 2h40
